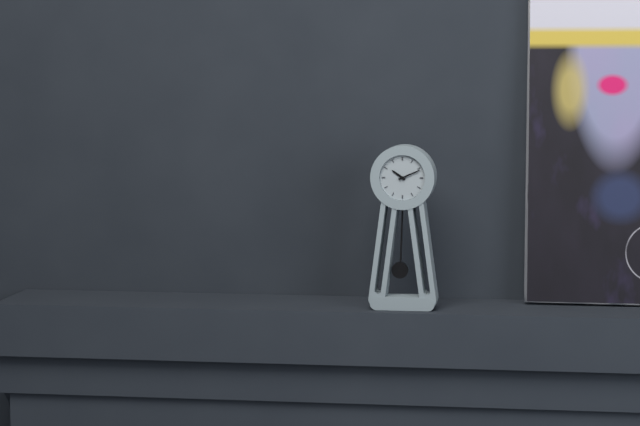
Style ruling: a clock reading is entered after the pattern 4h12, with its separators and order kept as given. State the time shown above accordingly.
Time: 10h11
